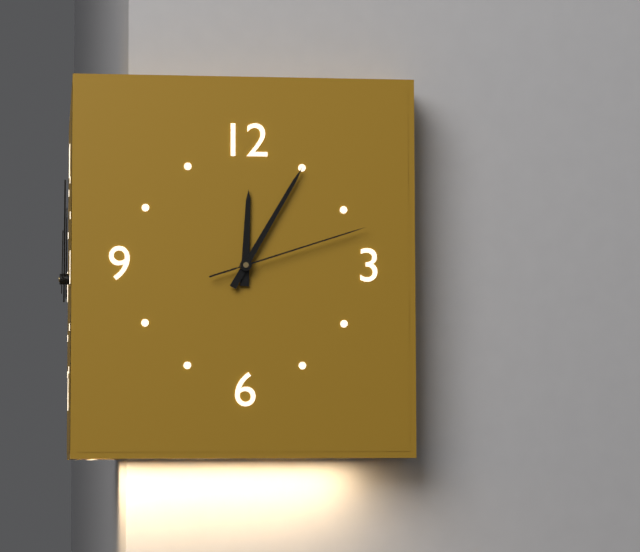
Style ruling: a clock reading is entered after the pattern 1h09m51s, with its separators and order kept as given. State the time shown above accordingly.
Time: 12h05m12s
